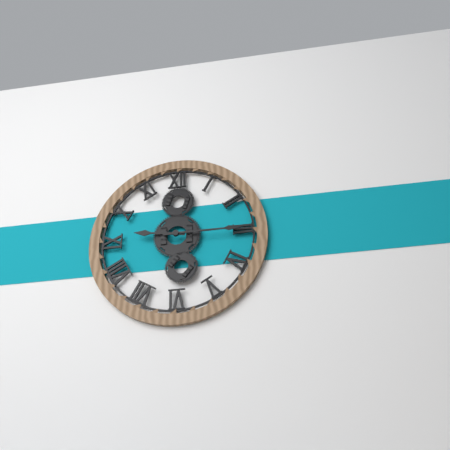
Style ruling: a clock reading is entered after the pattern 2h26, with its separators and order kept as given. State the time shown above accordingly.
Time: 9h15
